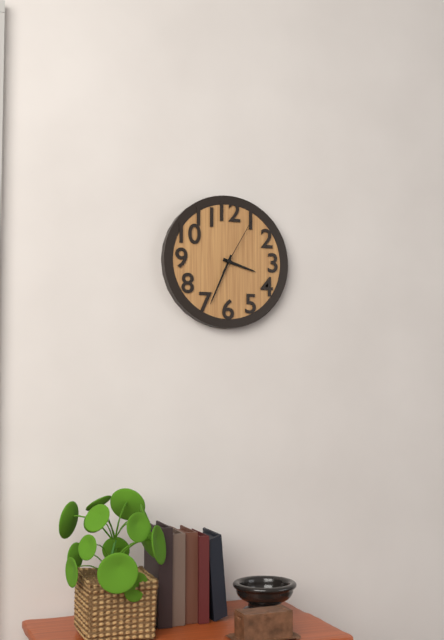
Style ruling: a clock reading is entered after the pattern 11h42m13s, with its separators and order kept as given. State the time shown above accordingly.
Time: 3h34m05s
